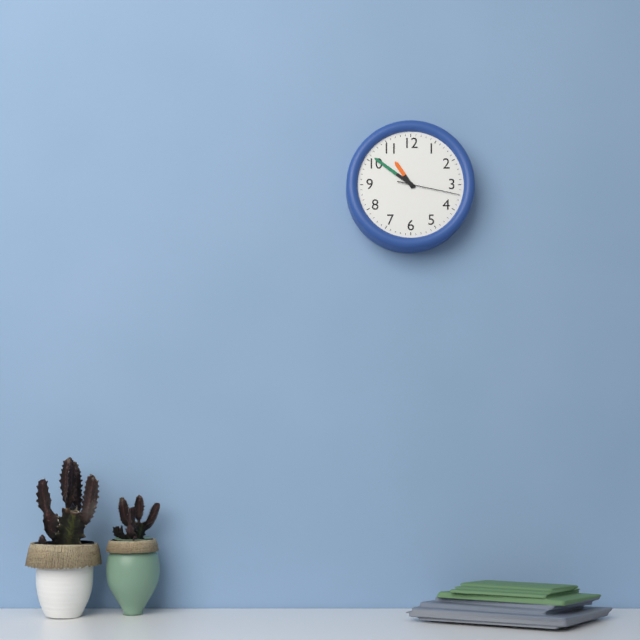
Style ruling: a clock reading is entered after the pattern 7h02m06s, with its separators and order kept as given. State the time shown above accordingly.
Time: 10h51m17s
